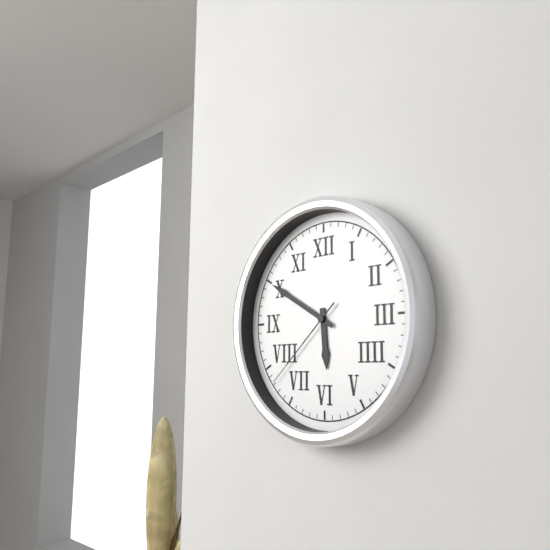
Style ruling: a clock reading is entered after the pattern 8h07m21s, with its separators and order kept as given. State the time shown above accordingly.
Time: 5h50m38s
